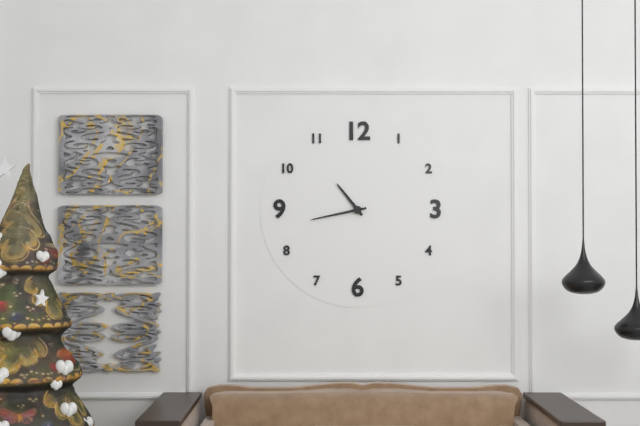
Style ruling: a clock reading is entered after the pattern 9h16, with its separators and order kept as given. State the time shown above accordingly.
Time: 10h43
